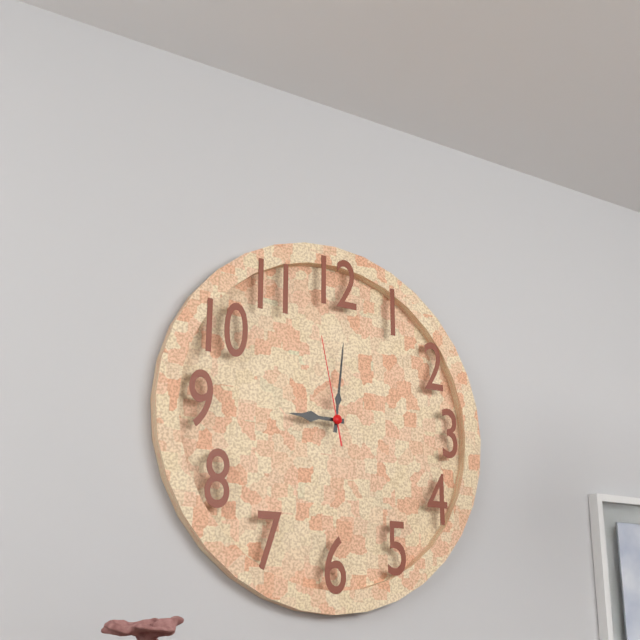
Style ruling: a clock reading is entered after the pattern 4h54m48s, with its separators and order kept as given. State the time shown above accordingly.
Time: 9h01m58s
